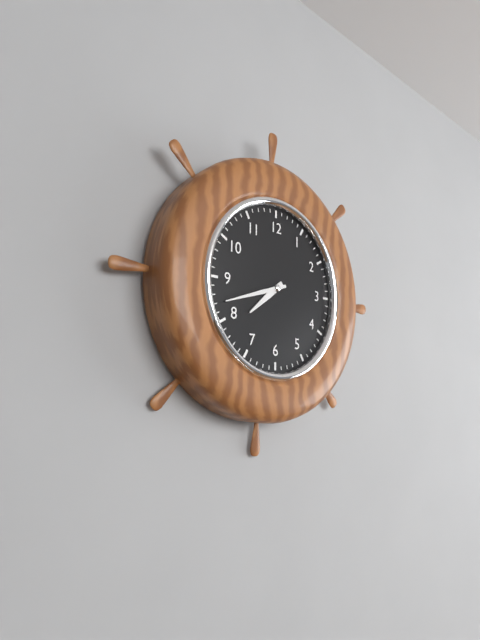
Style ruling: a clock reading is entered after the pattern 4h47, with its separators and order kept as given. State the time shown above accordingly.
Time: 7h42
